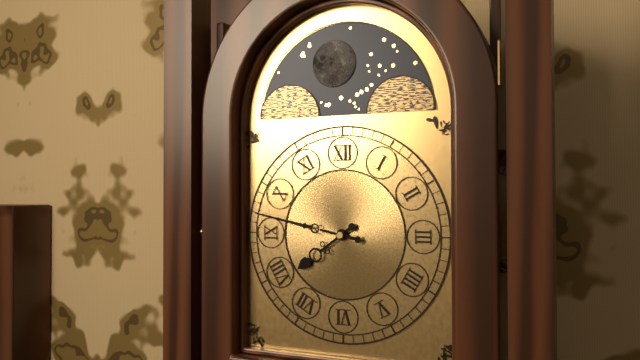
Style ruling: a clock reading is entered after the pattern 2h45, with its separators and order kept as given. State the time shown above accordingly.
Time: 7h47
